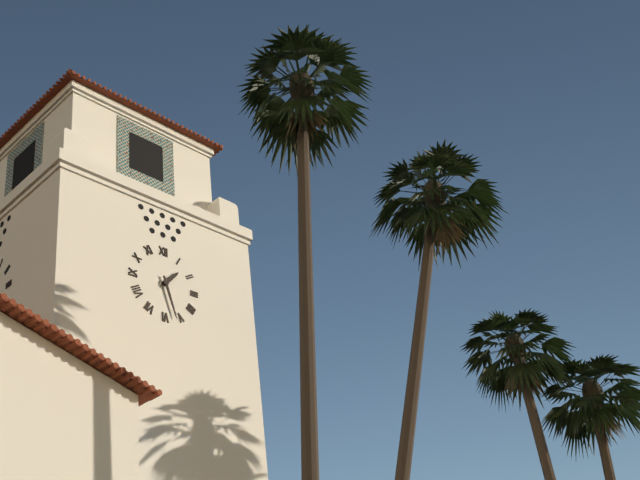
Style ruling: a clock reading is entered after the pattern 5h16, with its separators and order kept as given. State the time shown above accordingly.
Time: 1h27
